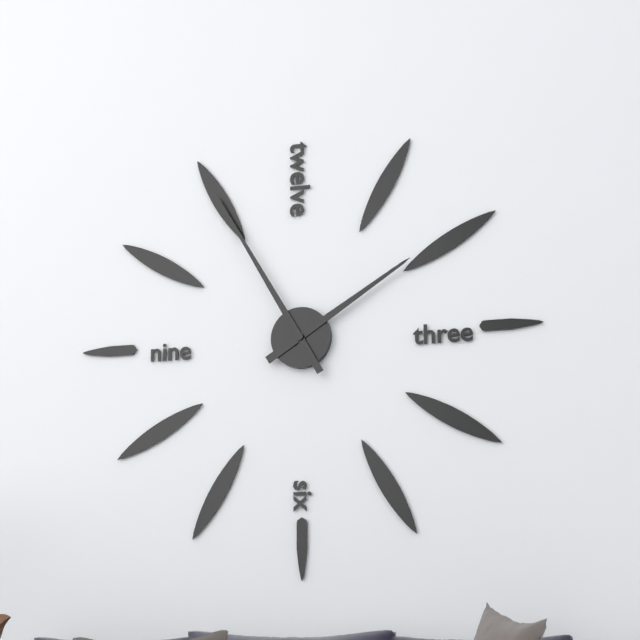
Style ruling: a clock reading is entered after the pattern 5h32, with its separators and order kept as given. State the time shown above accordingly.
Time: 1h55
